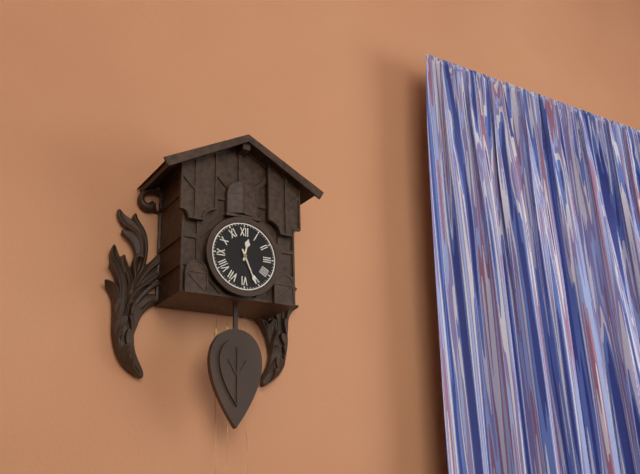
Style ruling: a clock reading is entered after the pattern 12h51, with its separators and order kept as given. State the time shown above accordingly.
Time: 12h26
